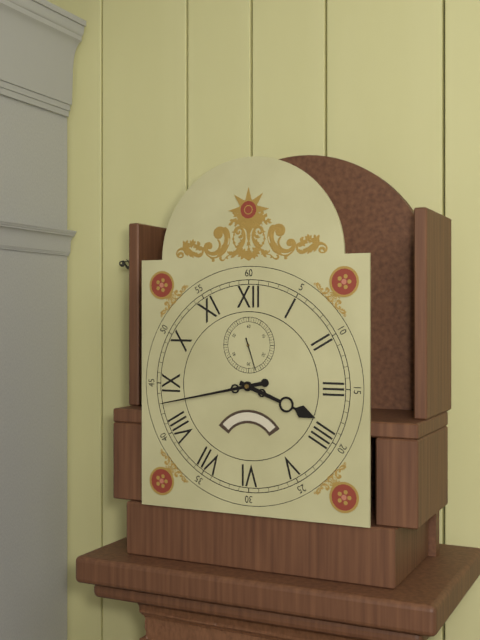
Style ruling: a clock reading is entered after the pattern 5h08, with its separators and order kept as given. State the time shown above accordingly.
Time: 3h43
